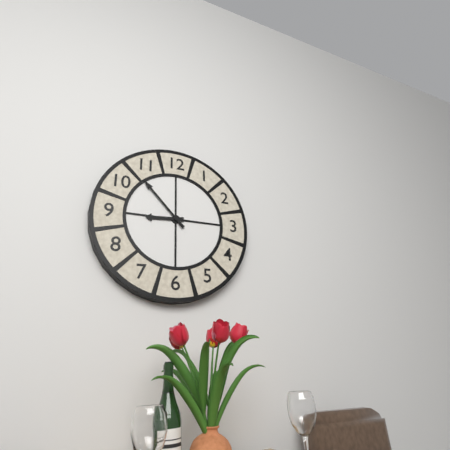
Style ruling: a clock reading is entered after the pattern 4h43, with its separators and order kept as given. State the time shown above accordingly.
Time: 8h53
